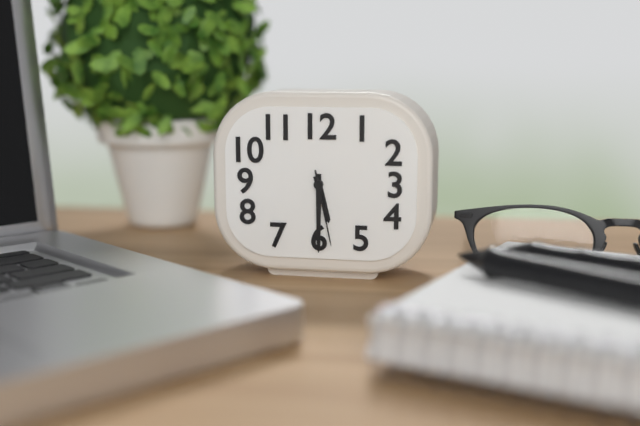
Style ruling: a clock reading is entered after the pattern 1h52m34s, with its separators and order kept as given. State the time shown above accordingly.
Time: 5h30m28s
